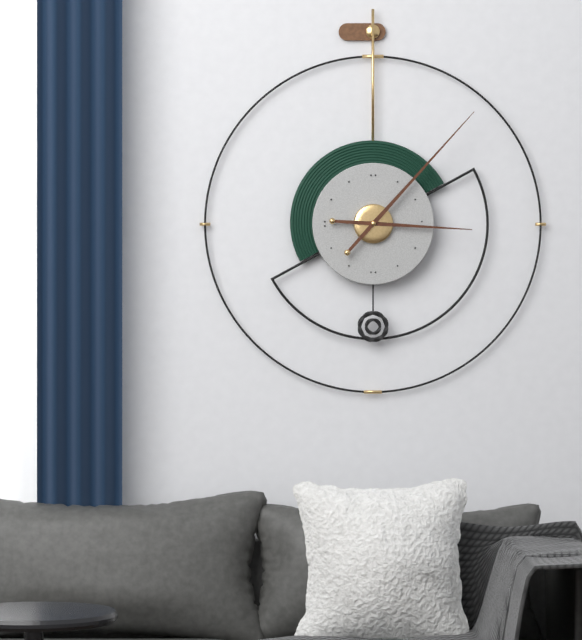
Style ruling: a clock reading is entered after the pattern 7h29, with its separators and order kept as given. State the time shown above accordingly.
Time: 3h07
